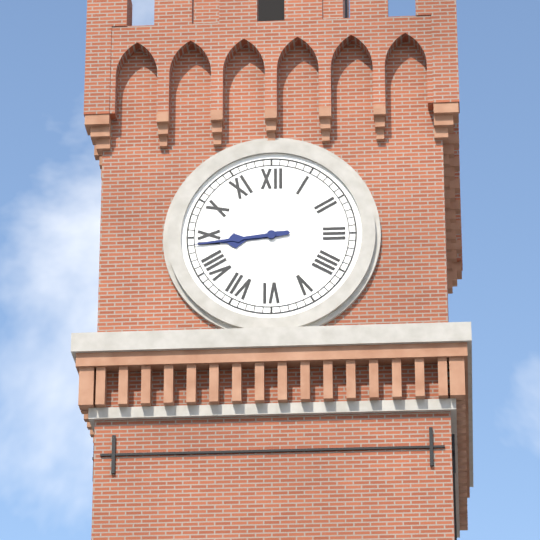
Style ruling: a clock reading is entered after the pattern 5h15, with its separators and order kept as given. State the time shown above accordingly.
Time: 8h44
